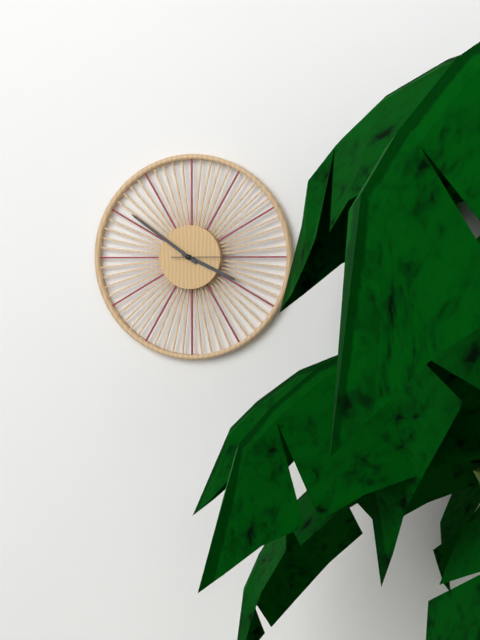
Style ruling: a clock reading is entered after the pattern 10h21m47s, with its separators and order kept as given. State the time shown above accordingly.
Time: 3h51m15s
